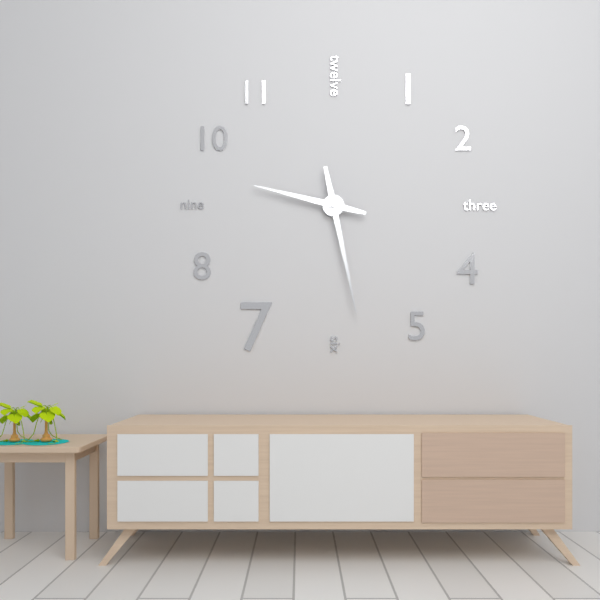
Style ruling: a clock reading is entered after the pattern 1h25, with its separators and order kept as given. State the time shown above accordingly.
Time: 9h28
